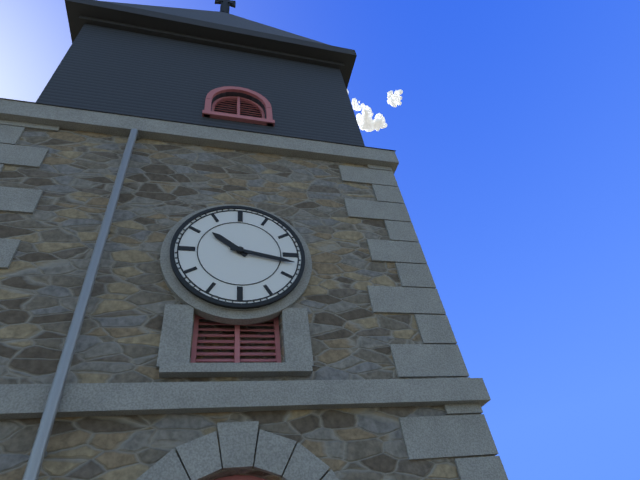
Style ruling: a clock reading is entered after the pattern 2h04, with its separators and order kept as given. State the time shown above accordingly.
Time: 10h17
